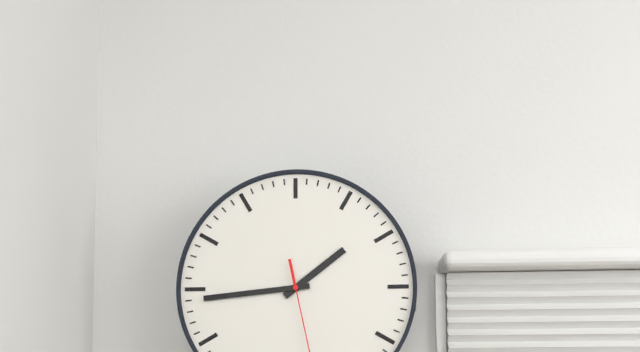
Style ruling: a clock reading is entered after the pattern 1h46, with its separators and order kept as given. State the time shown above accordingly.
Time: 1h44
